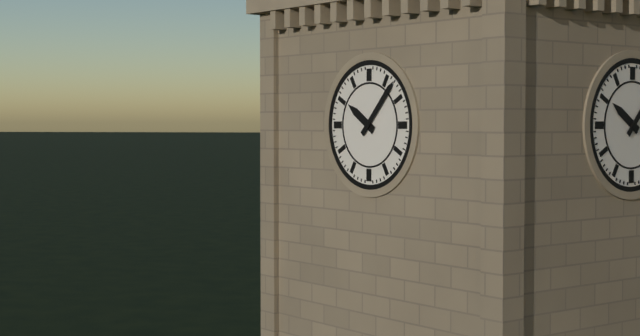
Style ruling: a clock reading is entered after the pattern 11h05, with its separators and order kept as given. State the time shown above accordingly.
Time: 10h07
